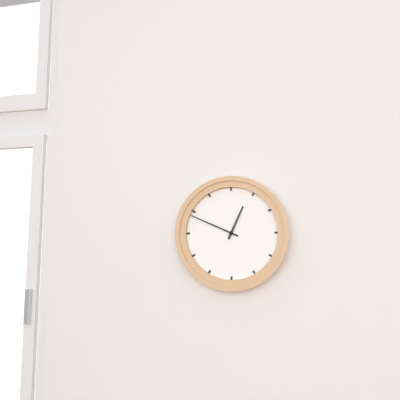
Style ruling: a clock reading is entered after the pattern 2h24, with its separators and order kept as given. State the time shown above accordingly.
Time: 12h49
